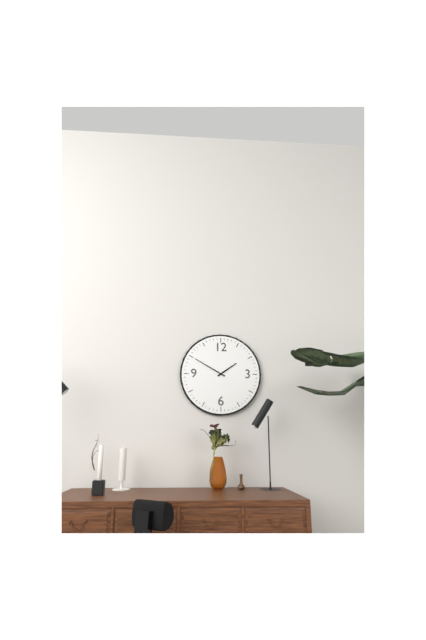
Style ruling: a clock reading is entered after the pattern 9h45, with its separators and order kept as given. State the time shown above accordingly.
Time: 1h50
